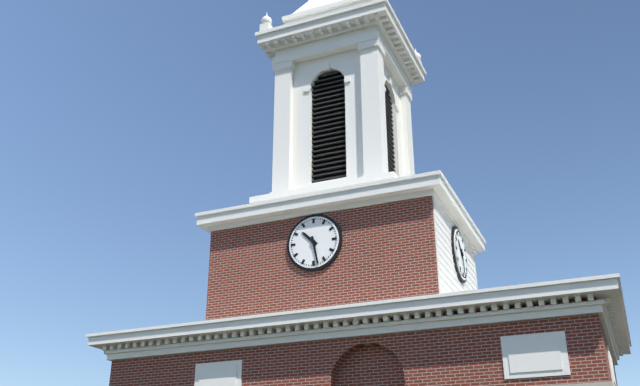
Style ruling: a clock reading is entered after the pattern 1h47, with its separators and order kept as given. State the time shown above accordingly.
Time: 10h28
